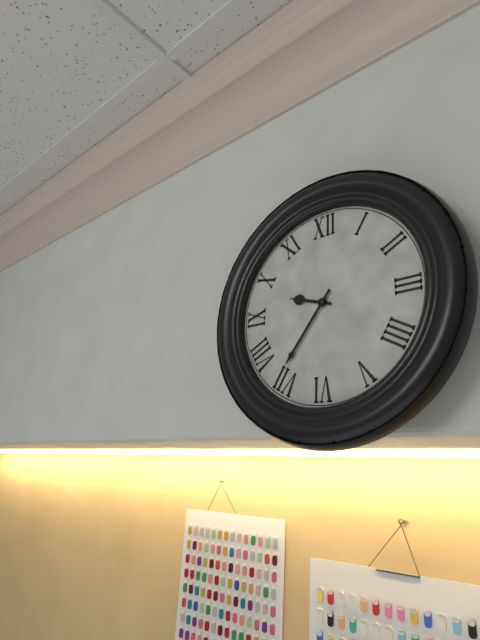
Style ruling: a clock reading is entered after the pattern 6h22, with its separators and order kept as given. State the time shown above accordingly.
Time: 9h36
